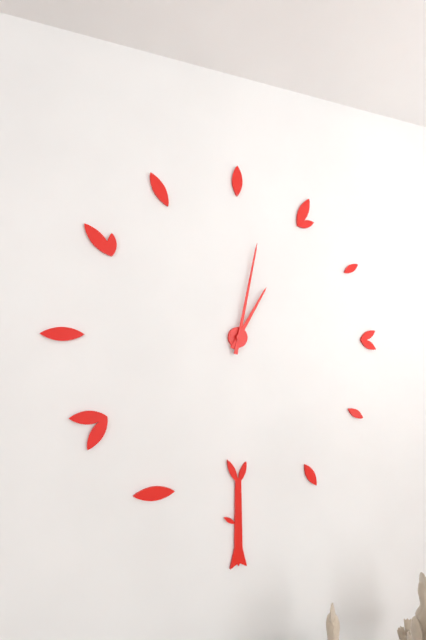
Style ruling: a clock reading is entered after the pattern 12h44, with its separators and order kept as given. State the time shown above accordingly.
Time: 1h02
